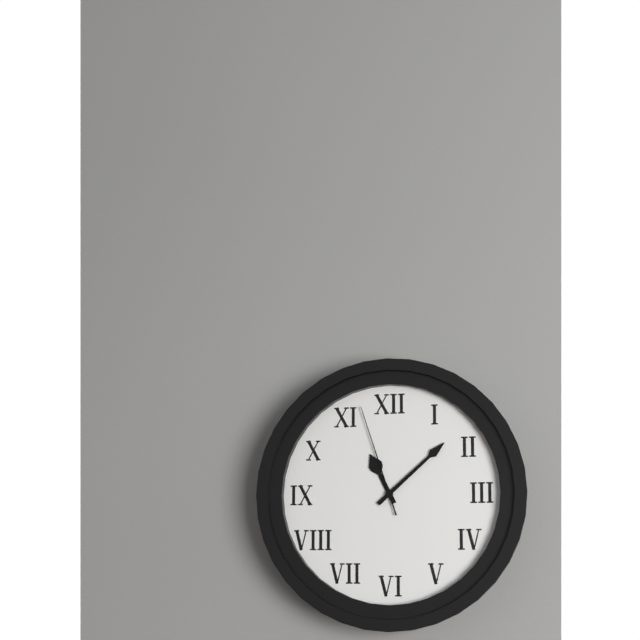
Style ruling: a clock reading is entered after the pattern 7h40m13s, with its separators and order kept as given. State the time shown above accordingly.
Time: 11h08m57s
